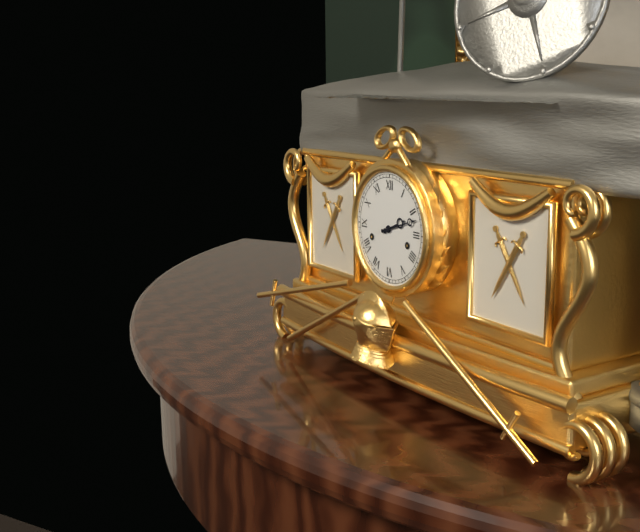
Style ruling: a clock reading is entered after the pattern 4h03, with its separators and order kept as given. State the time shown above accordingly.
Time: 2h12
